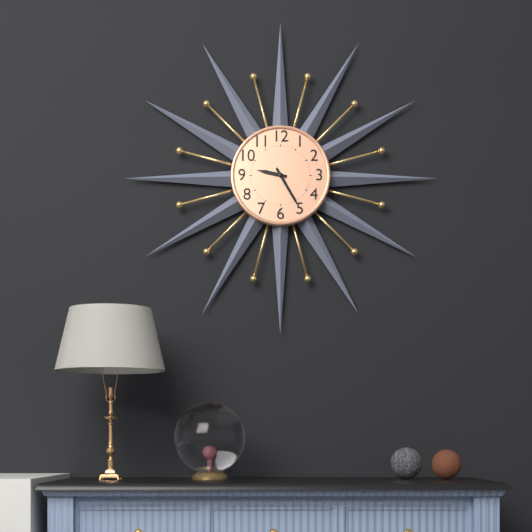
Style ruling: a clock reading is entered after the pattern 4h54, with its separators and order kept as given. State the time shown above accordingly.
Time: 9h25
